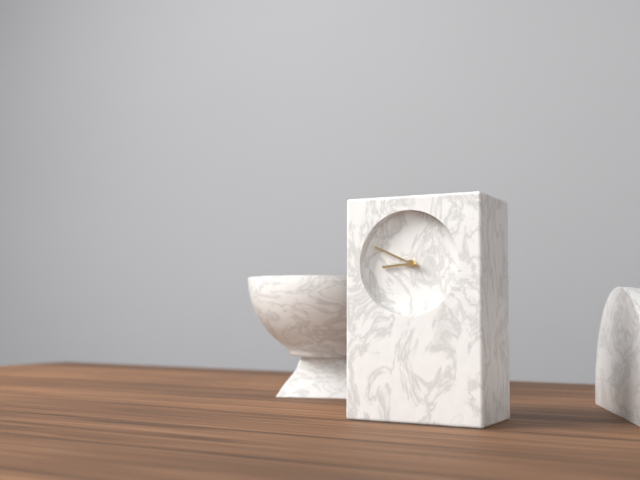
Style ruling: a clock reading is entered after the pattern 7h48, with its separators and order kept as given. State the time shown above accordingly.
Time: 8h49
